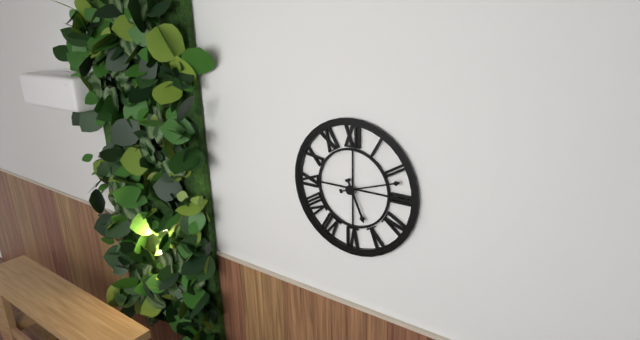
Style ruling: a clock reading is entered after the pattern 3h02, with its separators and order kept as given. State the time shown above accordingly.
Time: 5h12
